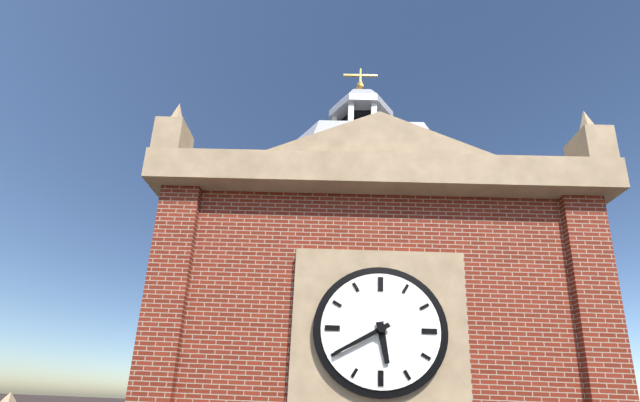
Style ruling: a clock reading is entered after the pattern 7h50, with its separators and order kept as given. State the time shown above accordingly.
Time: 5h40
